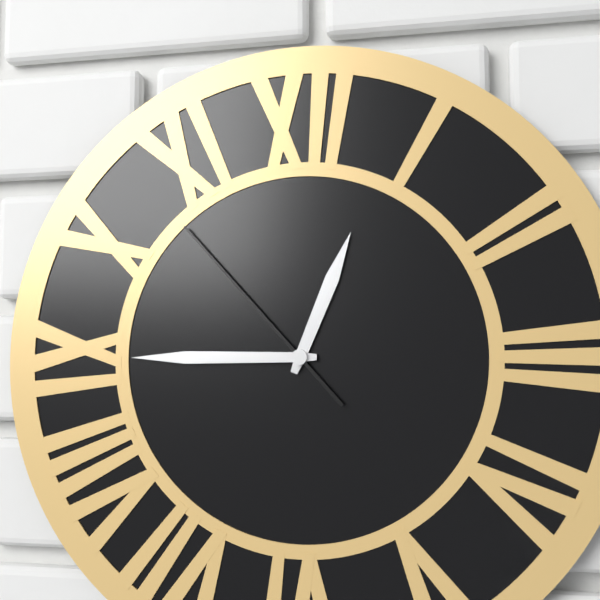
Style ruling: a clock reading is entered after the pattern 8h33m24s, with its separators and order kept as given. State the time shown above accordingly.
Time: 12h45m53s
